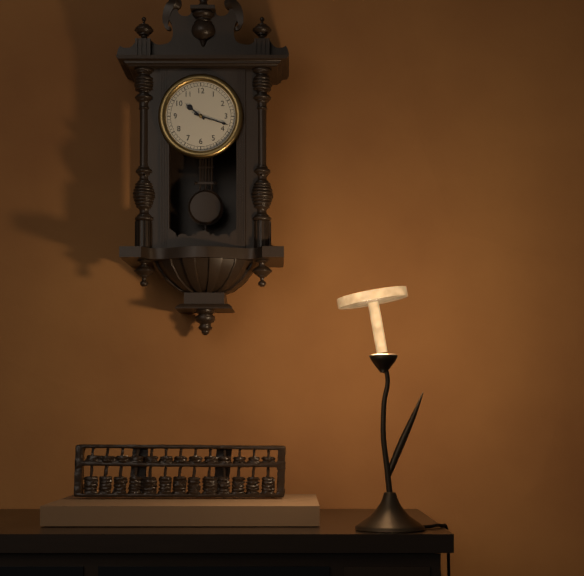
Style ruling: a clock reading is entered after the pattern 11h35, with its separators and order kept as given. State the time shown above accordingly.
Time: 10h18
